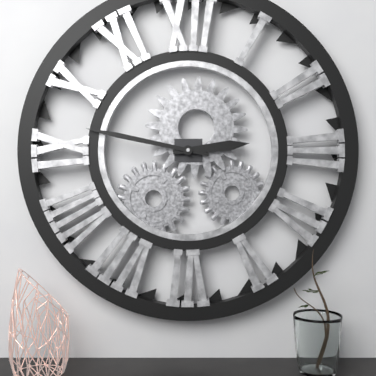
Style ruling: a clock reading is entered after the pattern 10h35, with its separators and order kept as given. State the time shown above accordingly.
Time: 2h47
